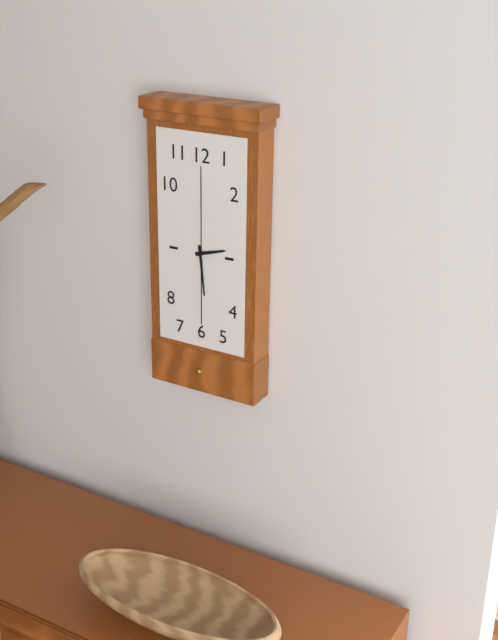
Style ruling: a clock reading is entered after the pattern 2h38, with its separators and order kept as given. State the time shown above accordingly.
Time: 2h29
